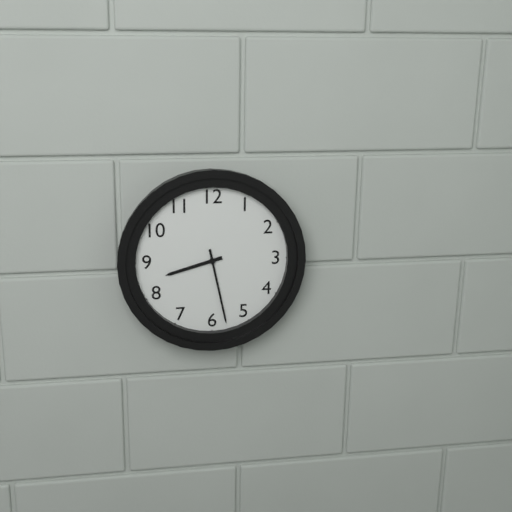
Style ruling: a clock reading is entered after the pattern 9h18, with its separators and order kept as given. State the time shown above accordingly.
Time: 8h28
